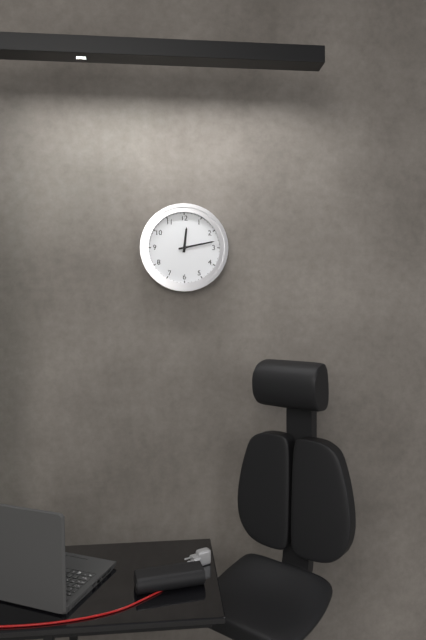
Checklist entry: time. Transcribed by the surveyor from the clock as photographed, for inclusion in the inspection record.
12:13
